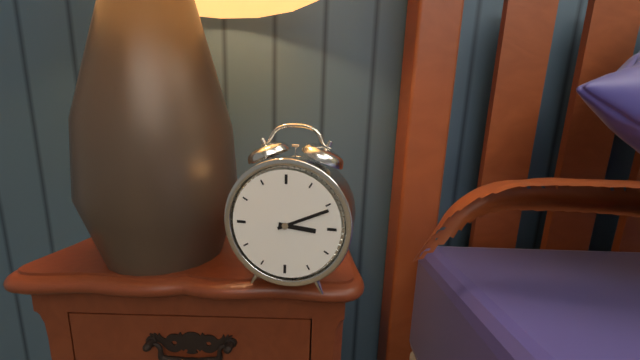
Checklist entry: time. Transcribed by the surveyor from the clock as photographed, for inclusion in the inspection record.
3:11
